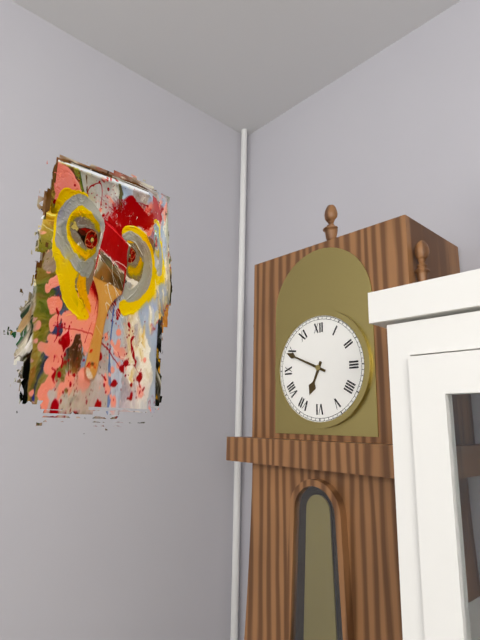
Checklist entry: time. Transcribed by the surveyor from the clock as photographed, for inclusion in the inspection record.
6:49
